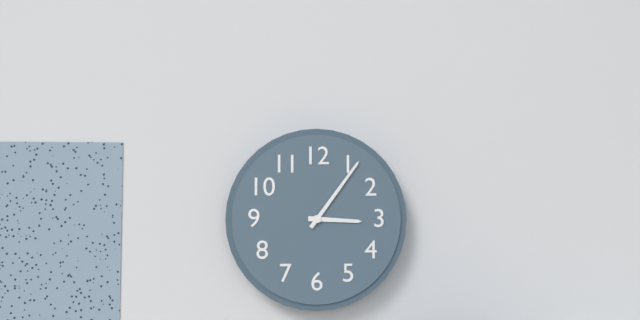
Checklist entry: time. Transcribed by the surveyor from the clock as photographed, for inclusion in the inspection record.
3:06
